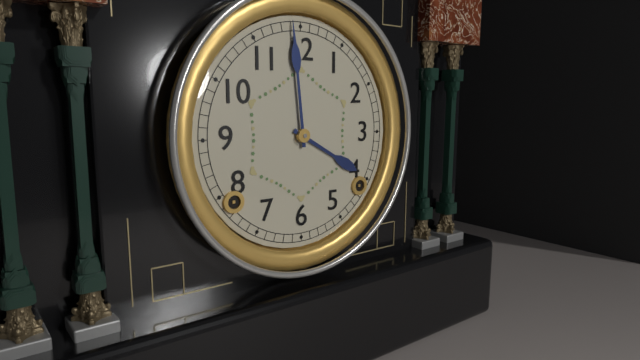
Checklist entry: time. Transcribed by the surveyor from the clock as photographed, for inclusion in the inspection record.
3:59
